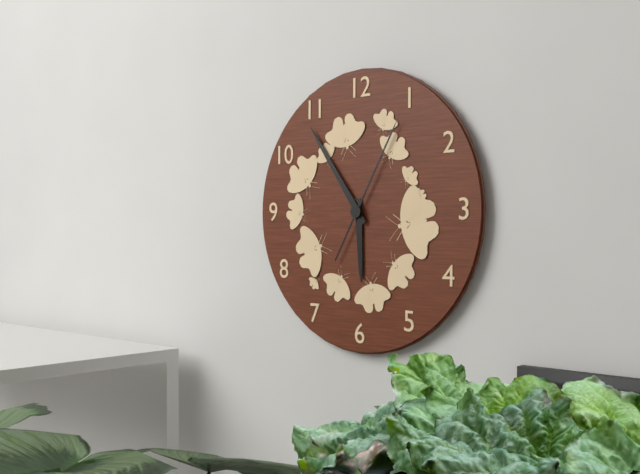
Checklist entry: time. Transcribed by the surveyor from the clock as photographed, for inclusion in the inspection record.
5:54:05
